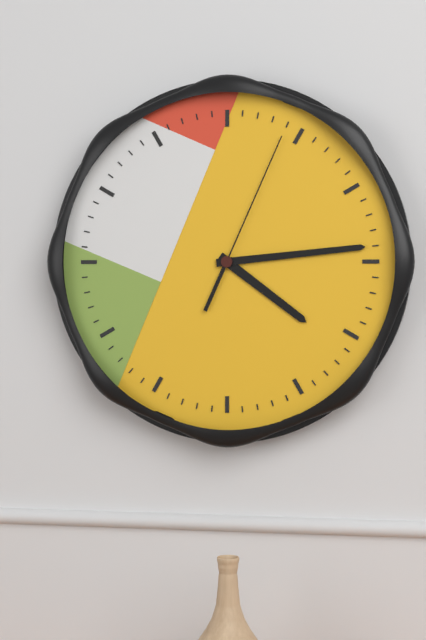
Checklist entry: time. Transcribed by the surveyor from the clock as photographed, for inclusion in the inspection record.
4:14:04
